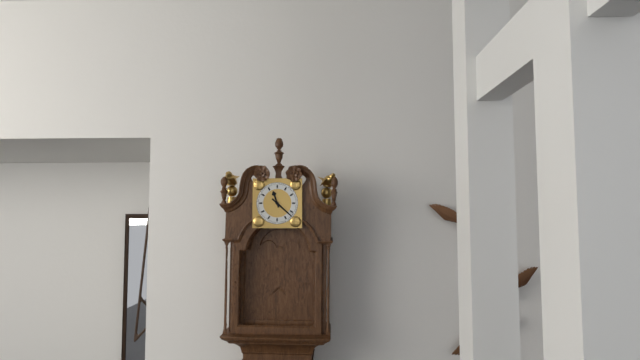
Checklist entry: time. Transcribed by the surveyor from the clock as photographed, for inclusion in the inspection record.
11:22
